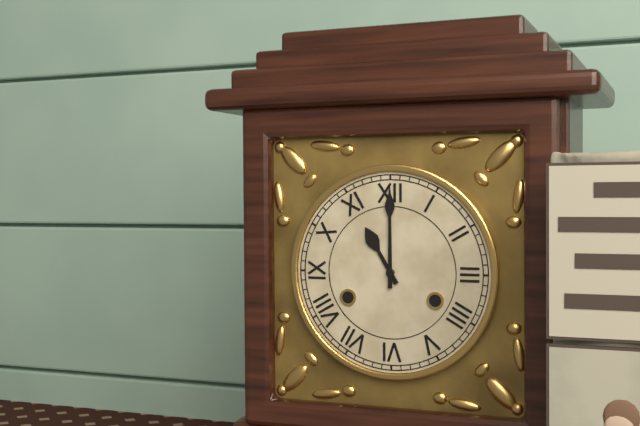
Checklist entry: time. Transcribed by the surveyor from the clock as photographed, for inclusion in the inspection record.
11:00
